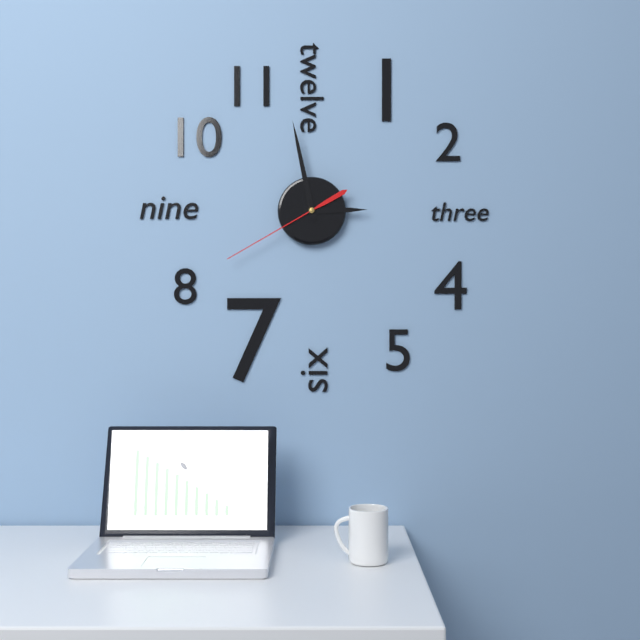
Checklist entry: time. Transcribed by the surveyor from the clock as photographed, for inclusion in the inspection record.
2:58:40
